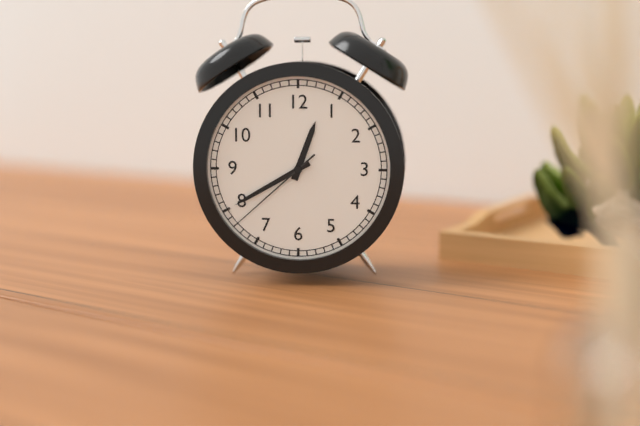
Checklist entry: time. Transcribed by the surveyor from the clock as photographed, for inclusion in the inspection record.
12:40:38
